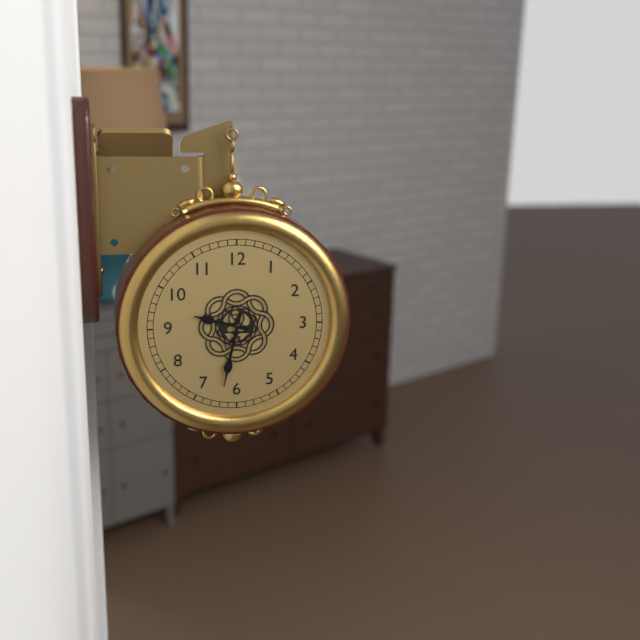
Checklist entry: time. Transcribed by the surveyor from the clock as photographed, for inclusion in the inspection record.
9:32
